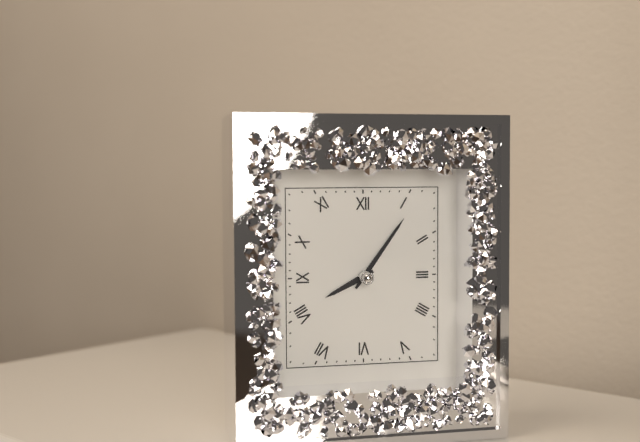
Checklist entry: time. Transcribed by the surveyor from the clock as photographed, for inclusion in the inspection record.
8:06
